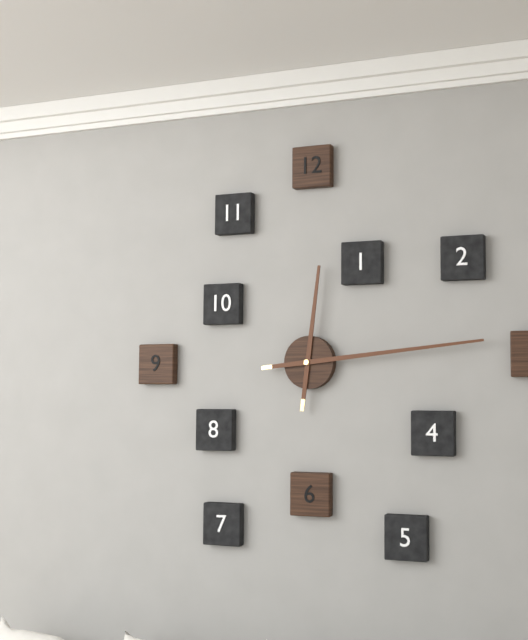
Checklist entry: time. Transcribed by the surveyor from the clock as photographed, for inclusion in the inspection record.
12:14
